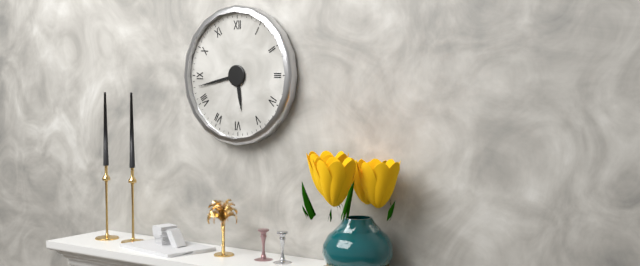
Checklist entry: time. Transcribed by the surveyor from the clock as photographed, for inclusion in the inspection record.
5:43
